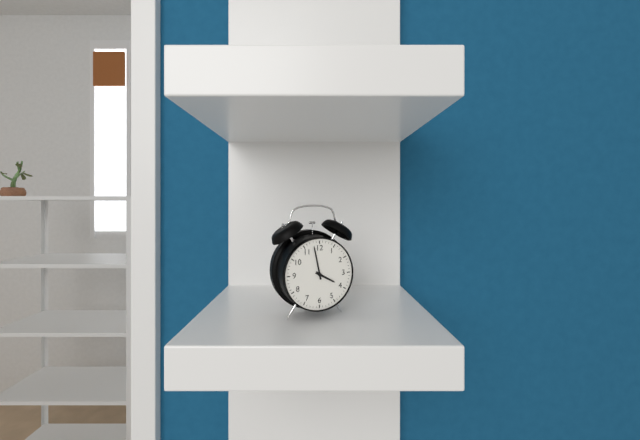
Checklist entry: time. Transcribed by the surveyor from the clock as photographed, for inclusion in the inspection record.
3:58
